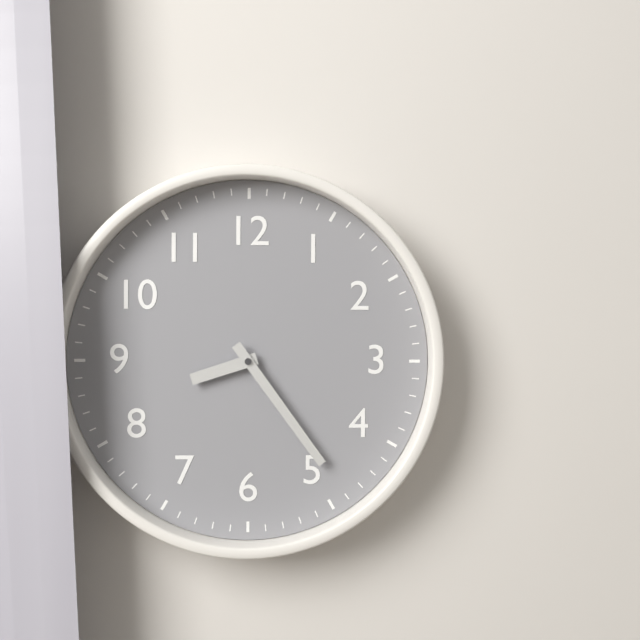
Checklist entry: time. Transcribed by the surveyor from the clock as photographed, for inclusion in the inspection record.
8:24
